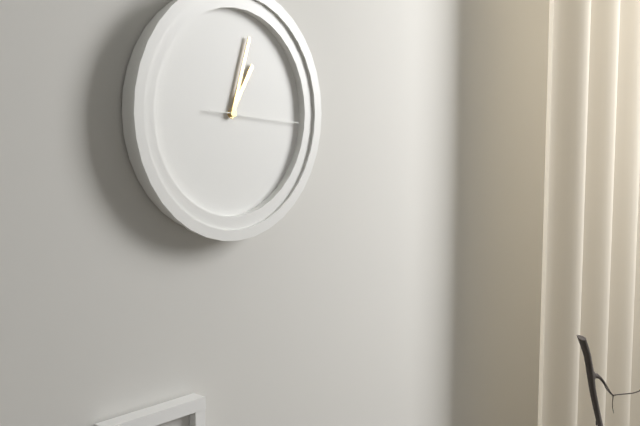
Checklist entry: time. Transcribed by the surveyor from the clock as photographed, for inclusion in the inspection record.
1:03:16
